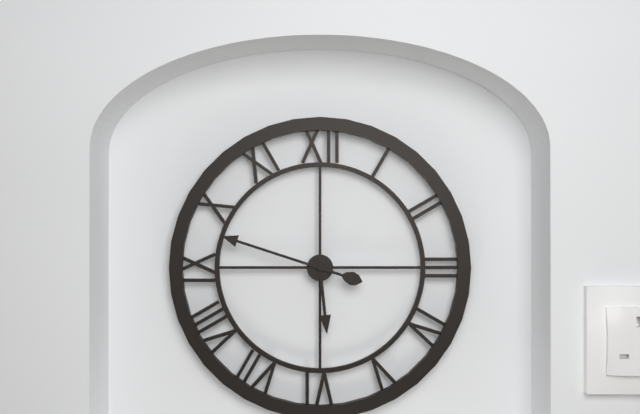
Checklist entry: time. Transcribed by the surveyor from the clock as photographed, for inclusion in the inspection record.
5:48
